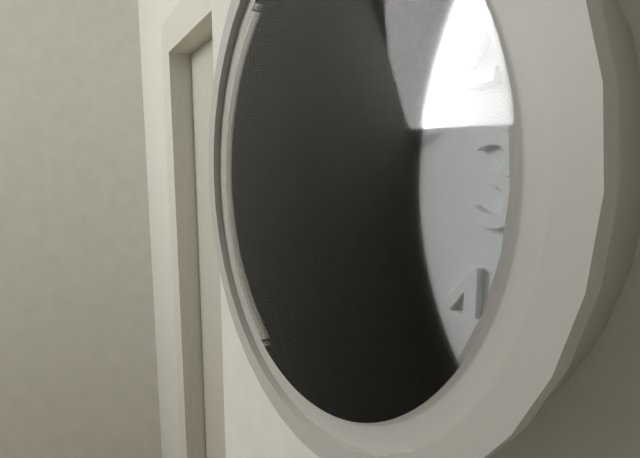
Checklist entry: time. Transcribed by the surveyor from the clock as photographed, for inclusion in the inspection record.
2:23:29
